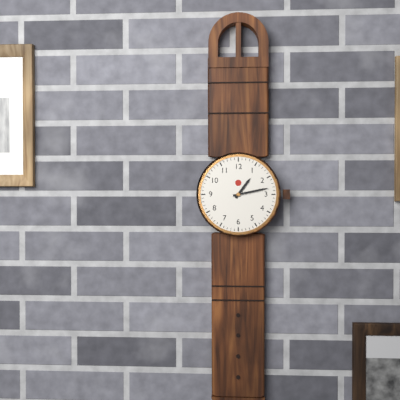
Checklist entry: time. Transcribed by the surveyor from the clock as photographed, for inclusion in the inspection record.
1:13
